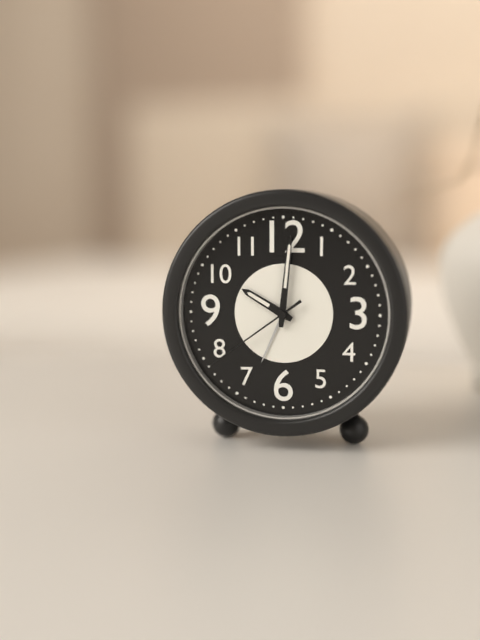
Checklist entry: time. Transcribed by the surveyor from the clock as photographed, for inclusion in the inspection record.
10:01:39
